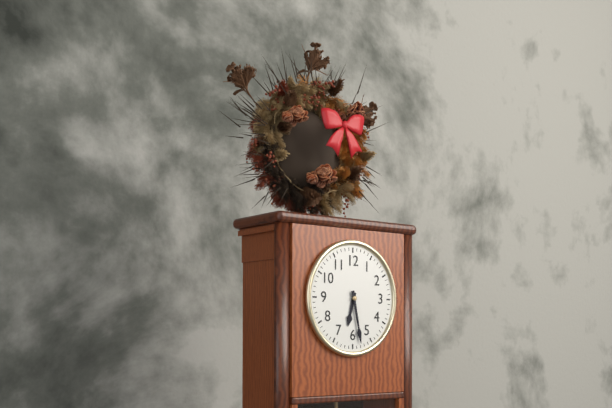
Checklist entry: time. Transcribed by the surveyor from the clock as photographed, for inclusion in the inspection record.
6:28
